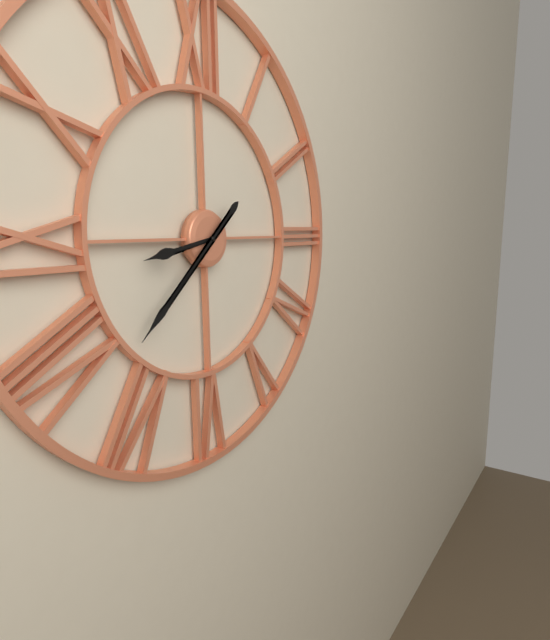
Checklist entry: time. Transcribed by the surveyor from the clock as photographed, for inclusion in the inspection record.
8:38
